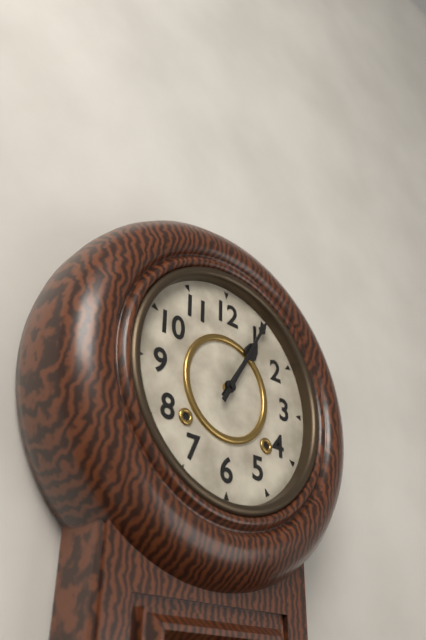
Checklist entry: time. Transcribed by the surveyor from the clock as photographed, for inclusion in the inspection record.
1:05
